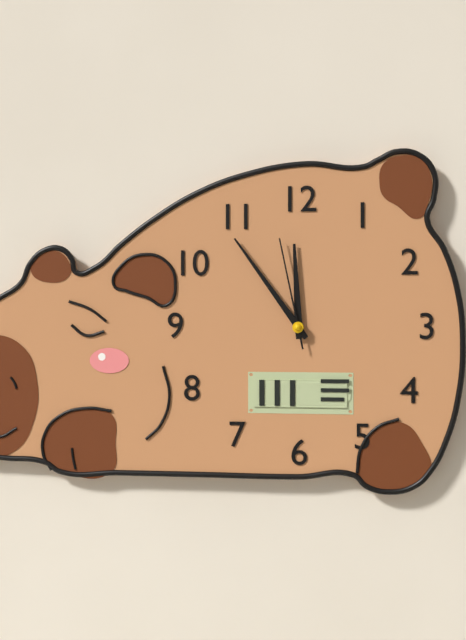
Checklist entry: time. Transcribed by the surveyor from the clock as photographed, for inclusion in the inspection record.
11:54:58
